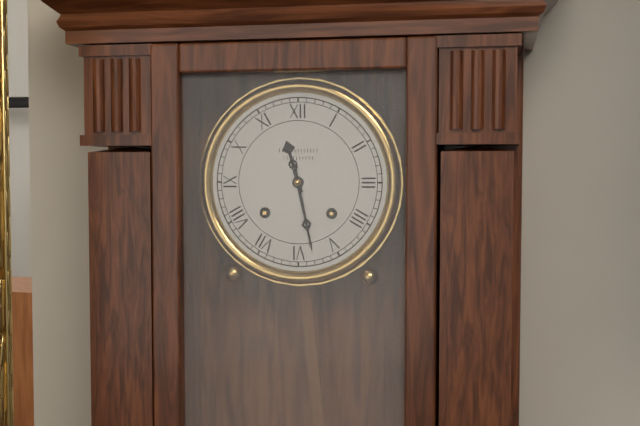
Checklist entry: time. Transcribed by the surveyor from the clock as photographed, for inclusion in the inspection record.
11:28
